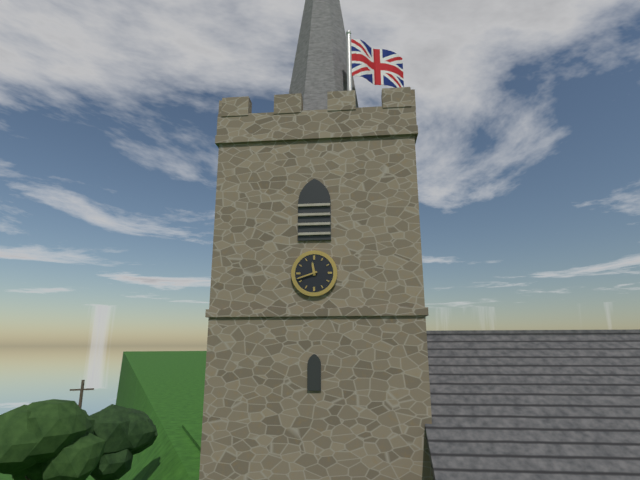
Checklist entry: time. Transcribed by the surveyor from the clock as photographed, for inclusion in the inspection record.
11:42
